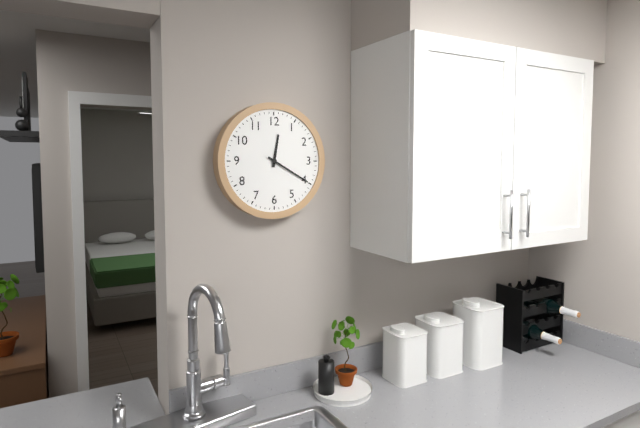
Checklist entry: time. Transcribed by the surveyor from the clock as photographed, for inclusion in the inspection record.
12:20
